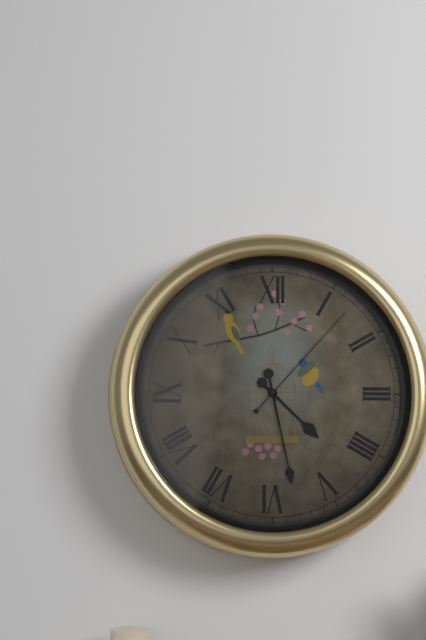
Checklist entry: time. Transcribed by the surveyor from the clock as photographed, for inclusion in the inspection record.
4:28:07
